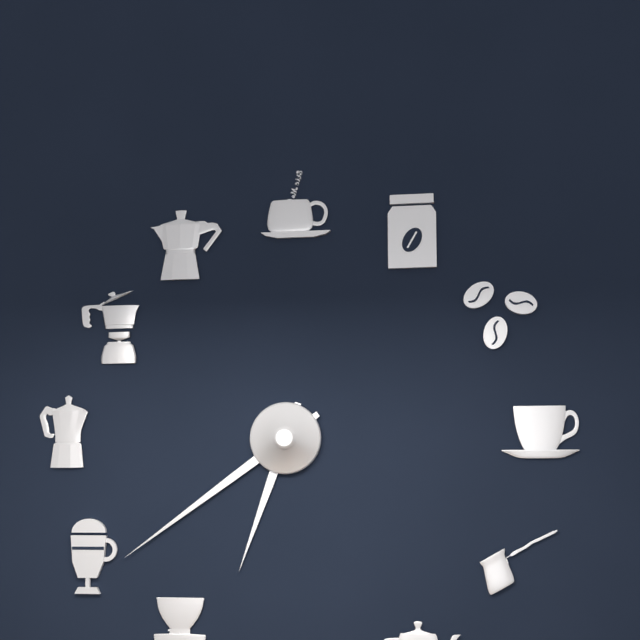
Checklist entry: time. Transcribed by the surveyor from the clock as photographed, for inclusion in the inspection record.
6:39
